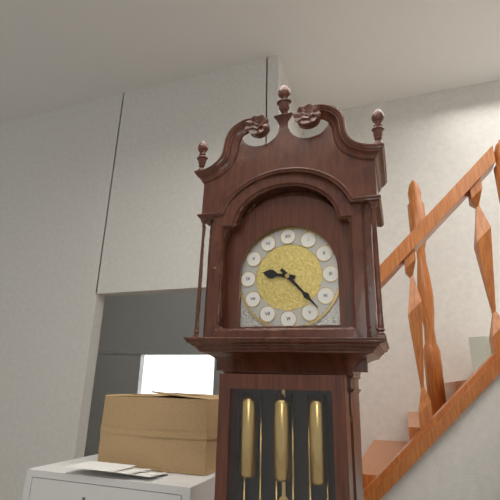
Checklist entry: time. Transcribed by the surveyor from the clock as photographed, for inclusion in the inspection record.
9:23
